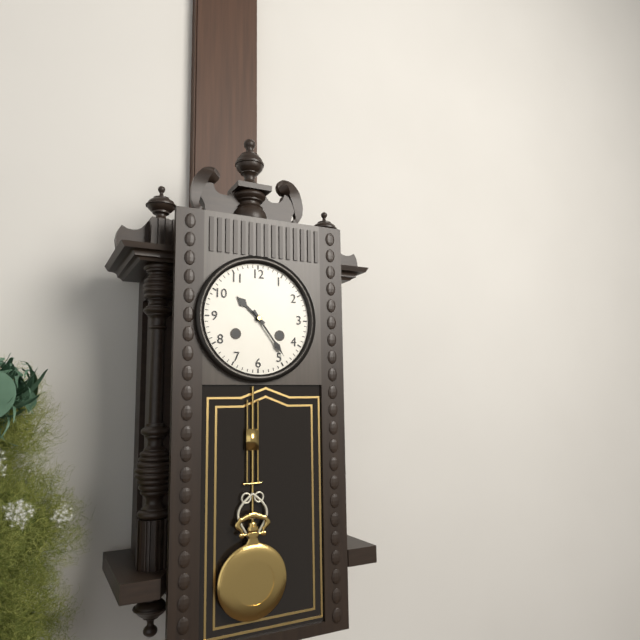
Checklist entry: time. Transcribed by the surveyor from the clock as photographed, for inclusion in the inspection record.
10:24
